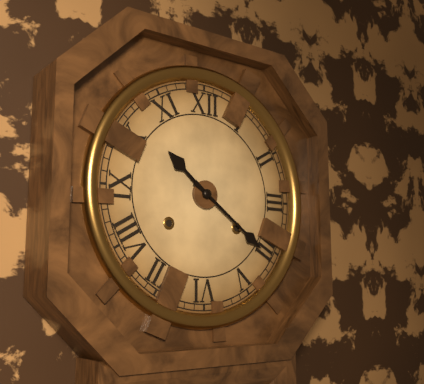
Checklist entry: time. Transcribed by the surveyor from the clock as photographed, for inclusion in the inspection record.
10:21
